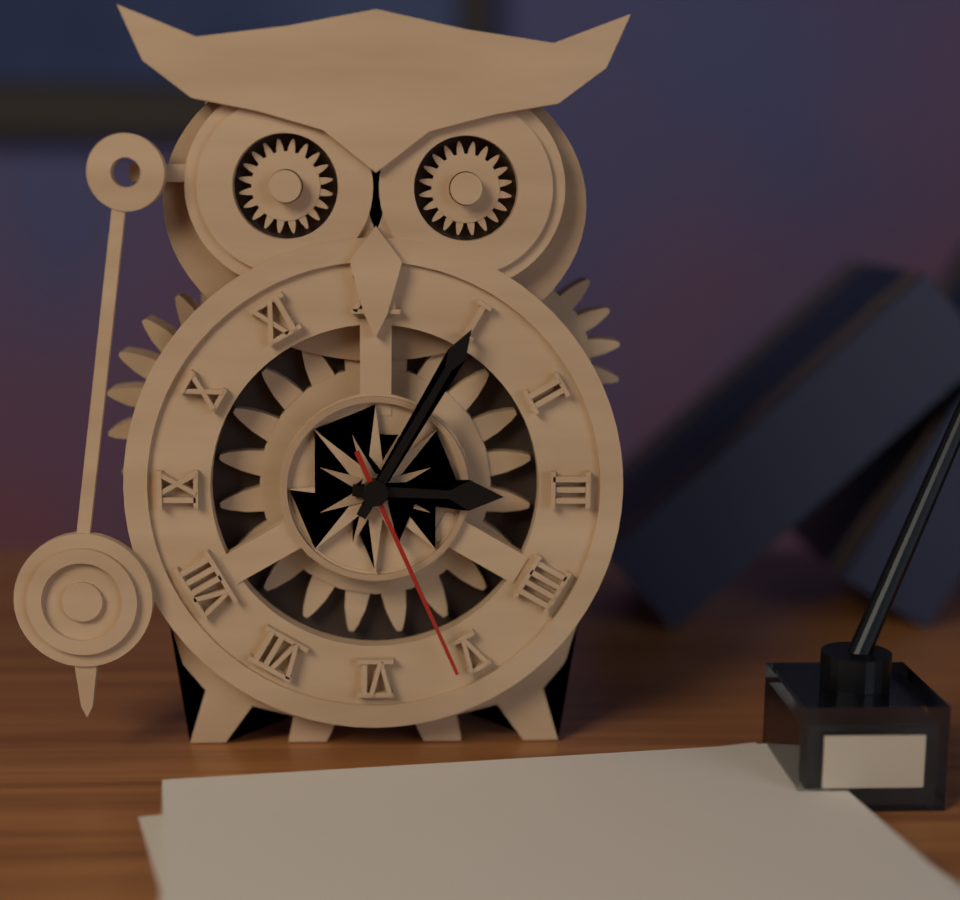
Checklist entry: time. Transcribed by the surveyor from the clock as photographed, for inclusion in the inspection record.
3:05:26
